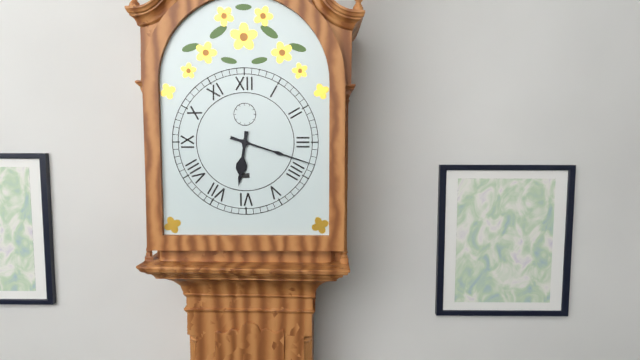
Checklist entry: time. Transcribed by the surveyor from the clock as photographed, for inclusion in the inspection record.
6:18
